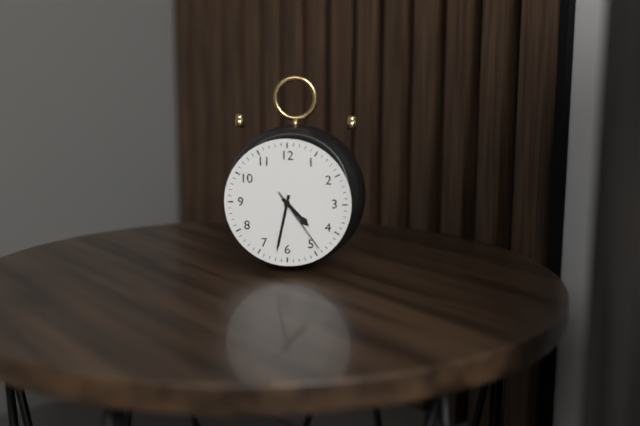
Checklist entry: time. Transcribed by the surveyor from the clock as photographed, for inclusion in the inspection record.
4:32:24
